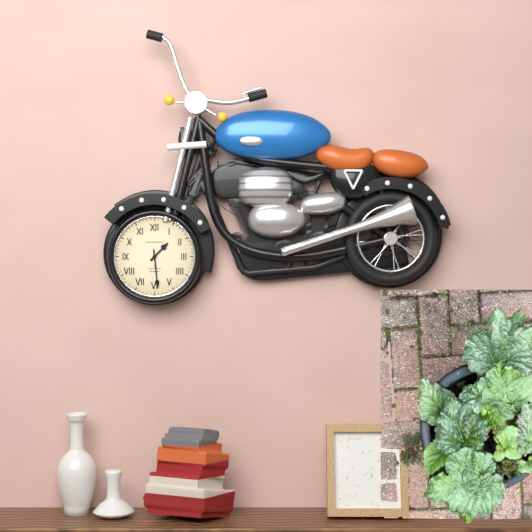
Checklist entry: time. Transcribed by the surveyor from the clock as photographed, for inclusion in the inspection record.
1:29
